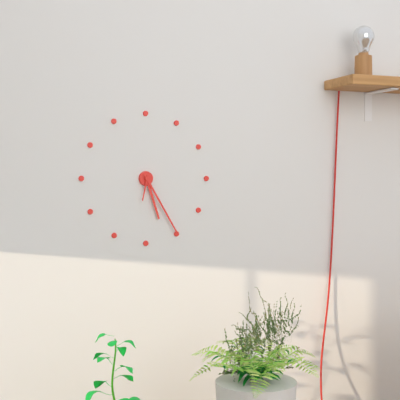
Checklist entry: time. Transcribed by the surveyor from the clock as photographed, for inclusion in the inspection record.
5:25
